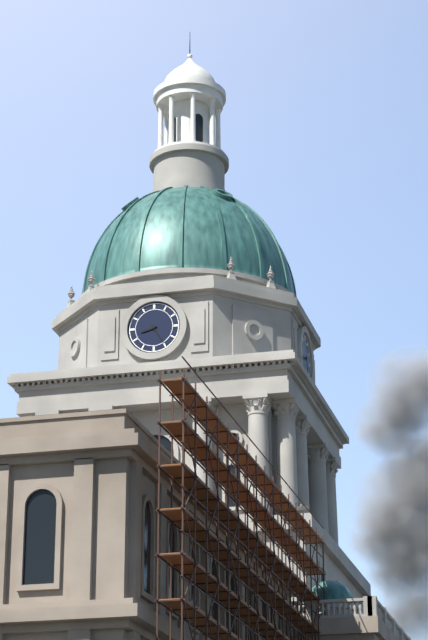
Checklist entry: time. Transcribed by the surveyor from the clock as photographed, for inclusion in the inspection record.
8:25
